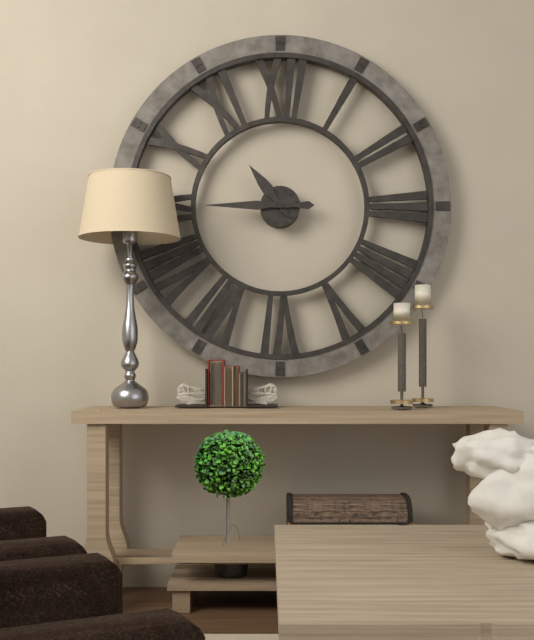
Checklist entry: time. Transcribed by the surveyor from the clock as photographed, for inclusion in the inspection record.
10:45
